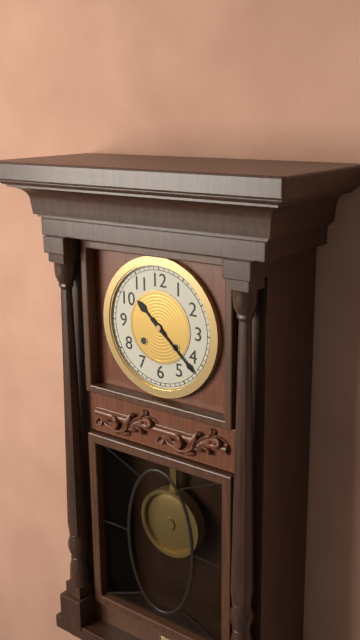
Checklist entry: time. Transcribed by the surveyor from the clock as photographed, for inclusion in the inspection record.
10:22
